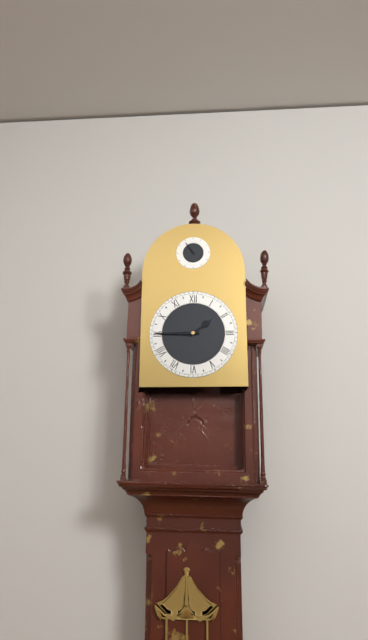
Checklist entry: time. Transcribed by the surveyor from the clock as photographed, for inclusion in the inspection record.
1:45
